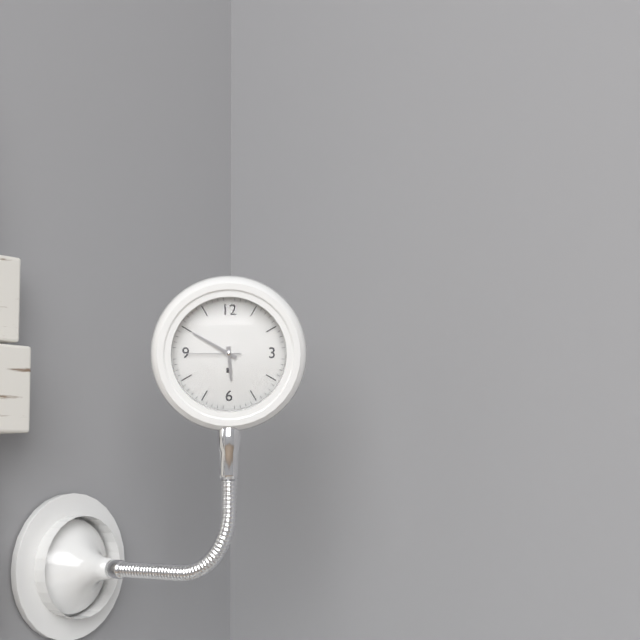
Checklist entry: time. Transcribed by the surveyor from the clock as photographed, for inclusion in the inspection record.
5:50:45
